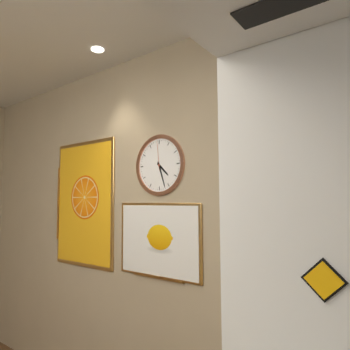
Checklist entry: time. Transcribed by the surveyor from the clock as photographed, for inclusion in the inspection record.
4:27
